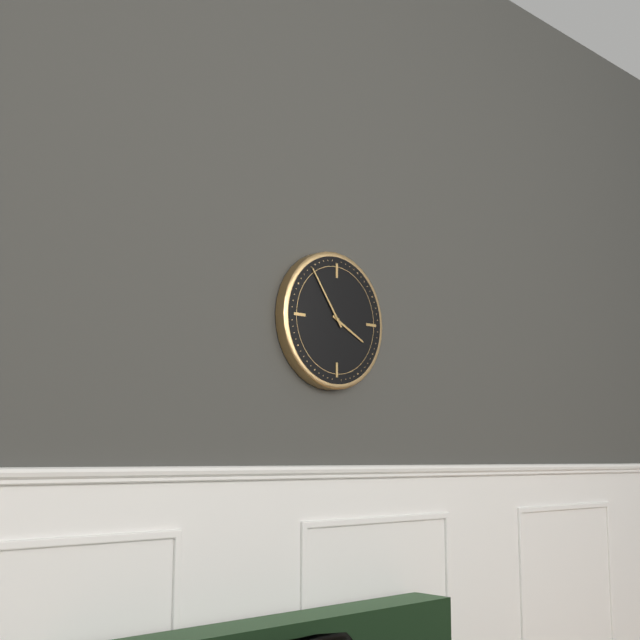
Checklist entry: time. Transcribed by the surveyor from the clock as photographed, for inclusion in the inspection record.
3:54
